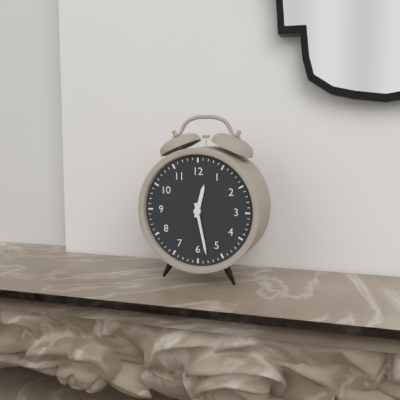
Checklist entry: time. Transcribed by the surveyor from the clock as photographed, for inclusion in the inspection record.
12:28
